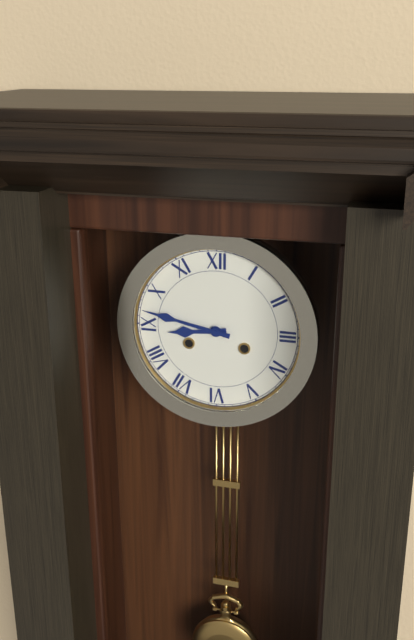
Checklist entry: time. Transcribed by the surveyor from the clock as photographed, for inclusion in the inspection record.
8:47
